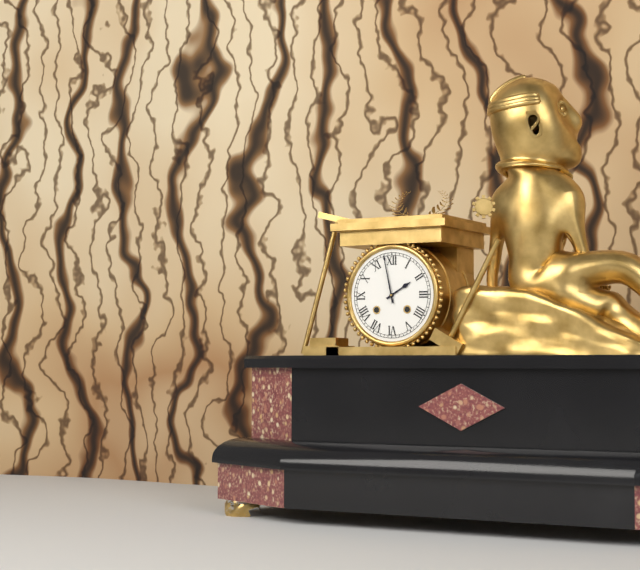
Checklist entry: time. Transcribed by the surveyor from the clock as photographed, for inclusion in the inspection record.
1:58
